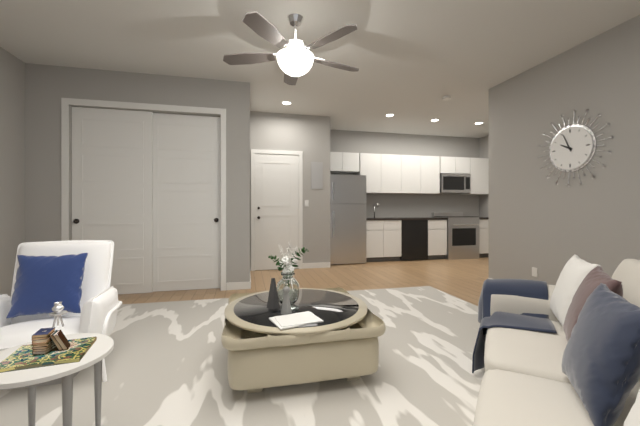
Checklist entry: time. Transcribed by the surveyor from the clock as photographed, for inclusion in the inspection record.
9:56
